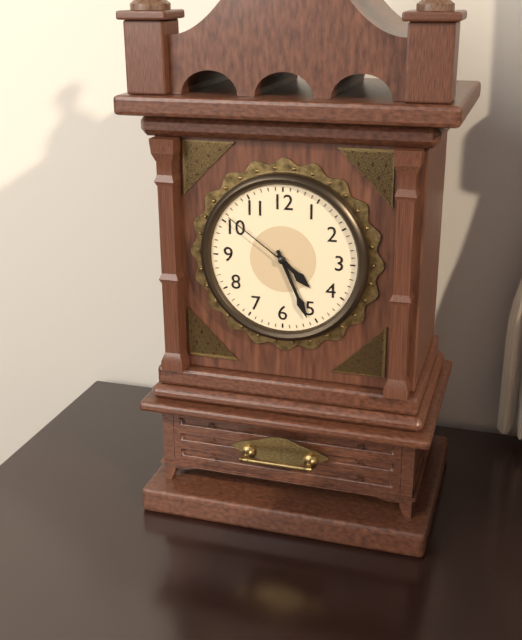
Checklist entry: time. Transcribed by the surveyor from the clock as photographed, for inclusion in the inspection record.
4:26:51
